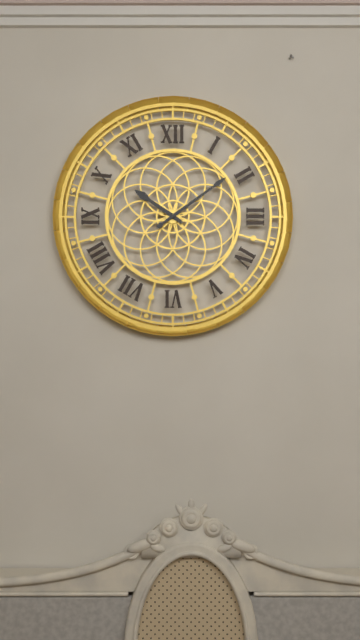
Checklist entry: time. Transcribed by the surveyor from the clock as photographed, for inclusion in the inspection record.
10:09
